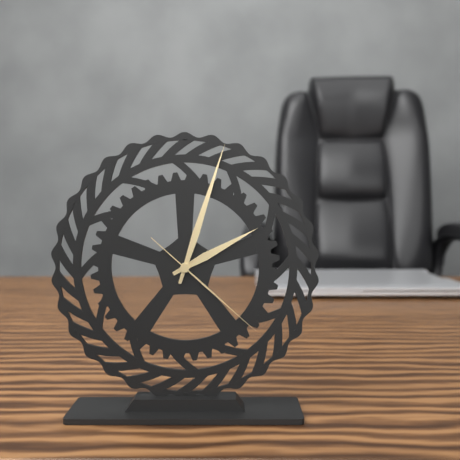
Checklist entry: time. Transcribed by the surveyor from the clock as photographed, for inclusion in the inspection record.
2:03:22
